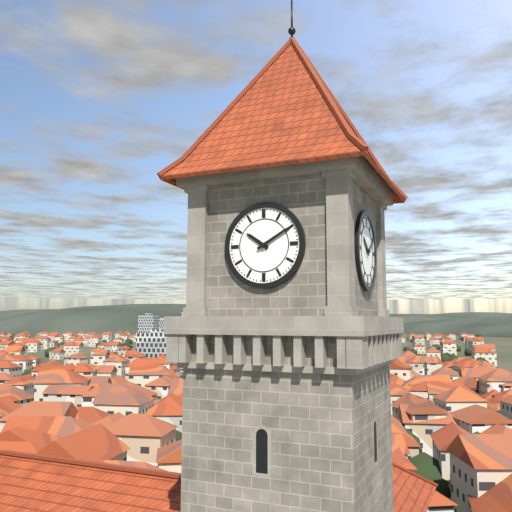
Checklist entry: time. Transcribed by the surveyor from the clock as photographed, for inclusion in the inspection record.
10:10
